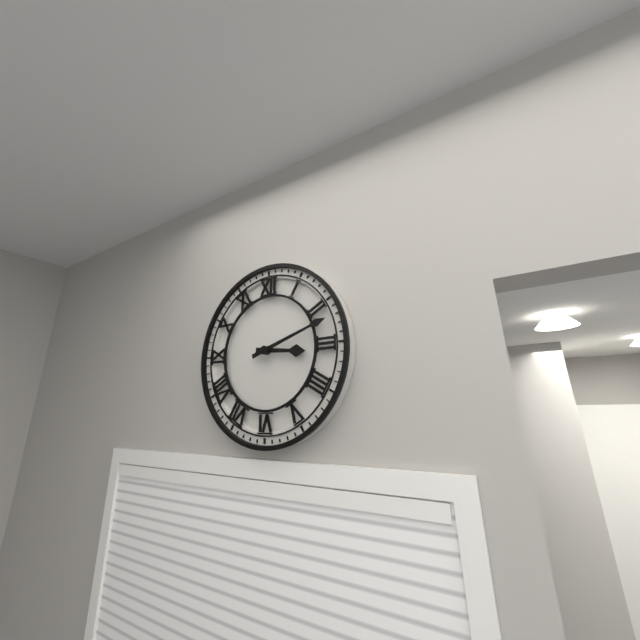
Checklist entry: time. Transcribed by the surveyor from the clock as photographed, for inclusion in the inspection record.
3:12
